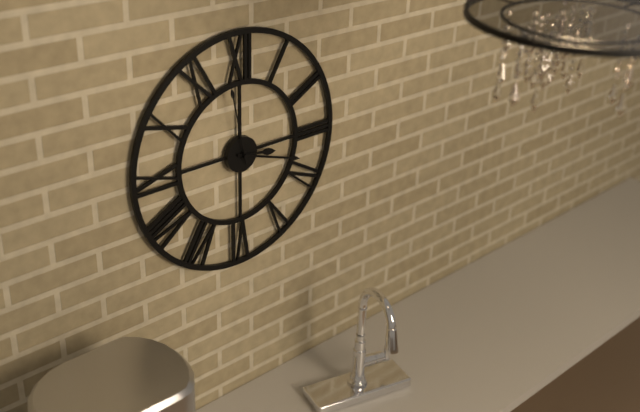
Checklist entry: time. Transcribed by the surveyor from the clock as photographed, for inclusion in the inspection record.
3:18:58
